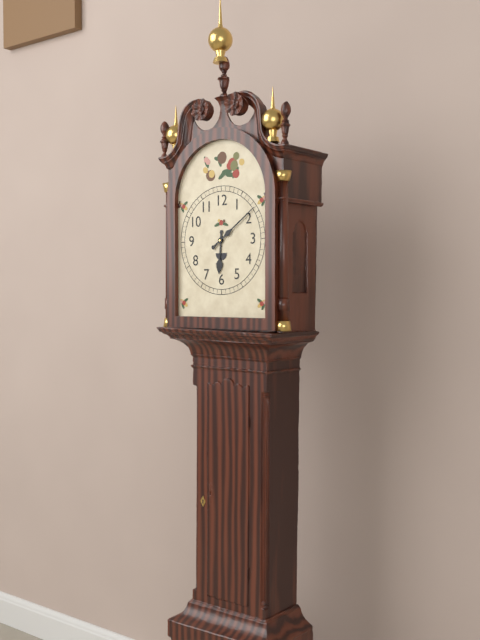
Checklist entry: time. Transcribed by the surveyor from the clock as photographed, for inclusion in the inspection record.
6:09
